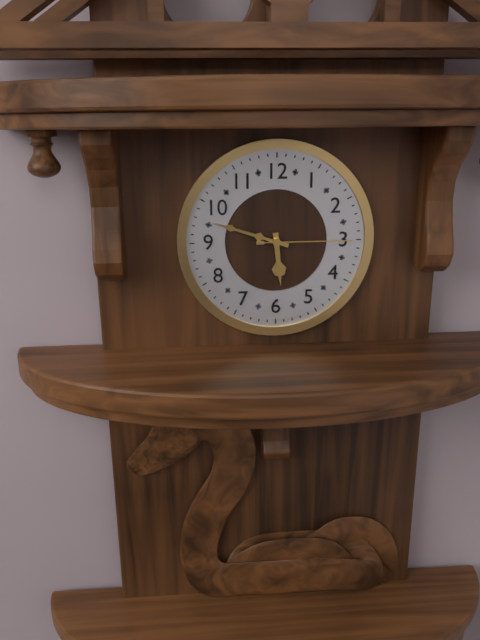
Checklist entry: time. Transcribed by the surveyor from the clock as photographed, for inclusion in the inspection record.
5:48:15
